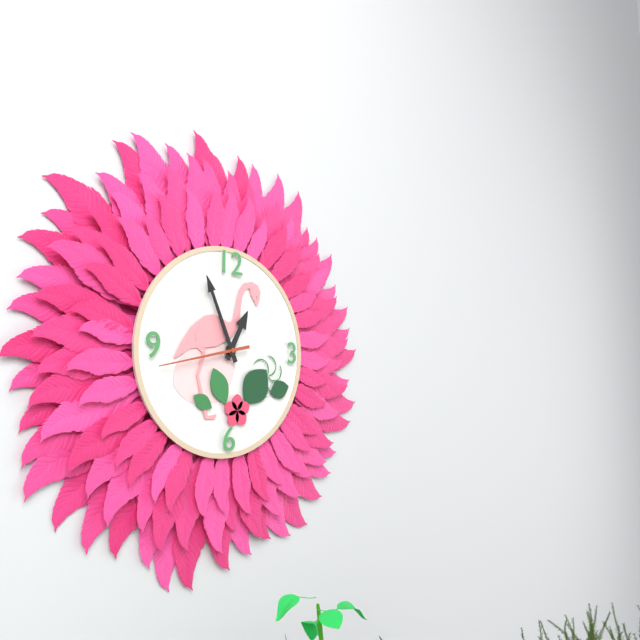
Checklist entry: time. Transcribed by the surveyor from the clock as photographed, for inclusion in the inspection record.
12:56:43
